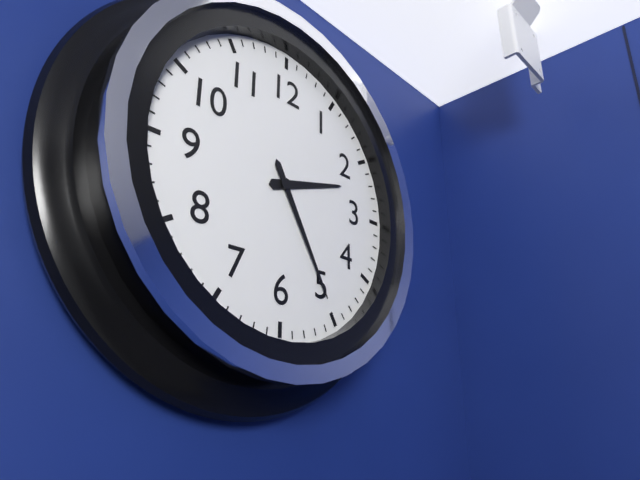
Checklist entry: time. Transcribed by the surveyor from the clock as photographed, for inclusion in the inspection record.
2:25
